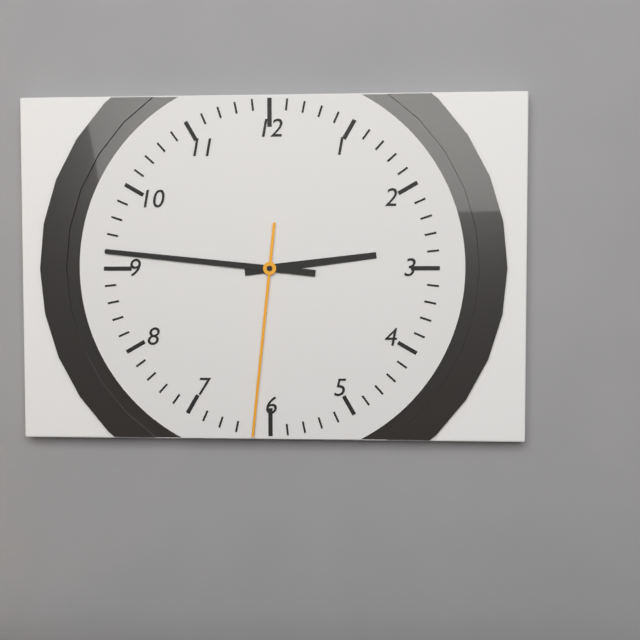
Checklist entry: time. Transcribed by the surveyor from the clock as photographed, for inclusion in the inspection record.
2:46:31
